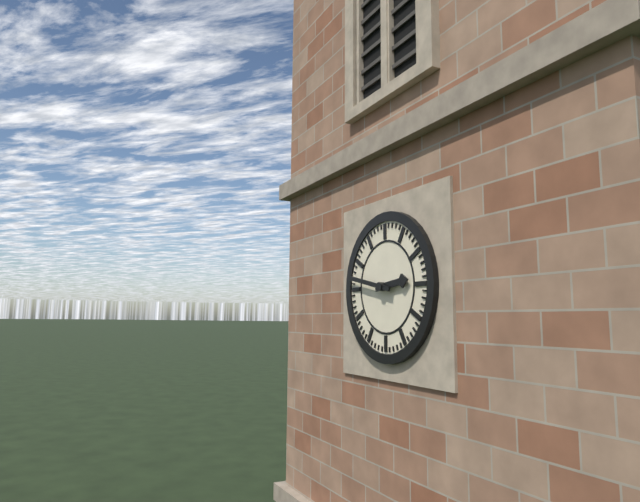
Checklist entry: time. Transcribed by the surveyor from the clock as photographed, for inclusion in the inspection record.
2:47
